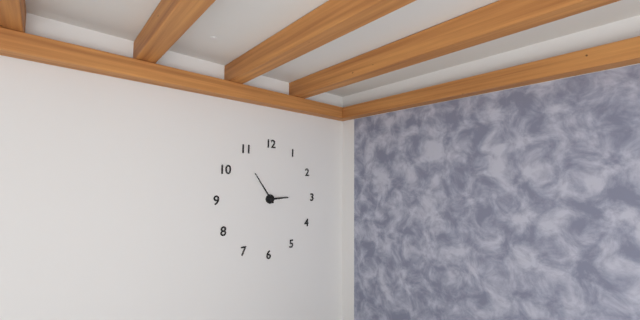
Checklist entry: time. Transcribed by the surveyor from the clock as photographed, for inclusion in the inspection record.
2:54
